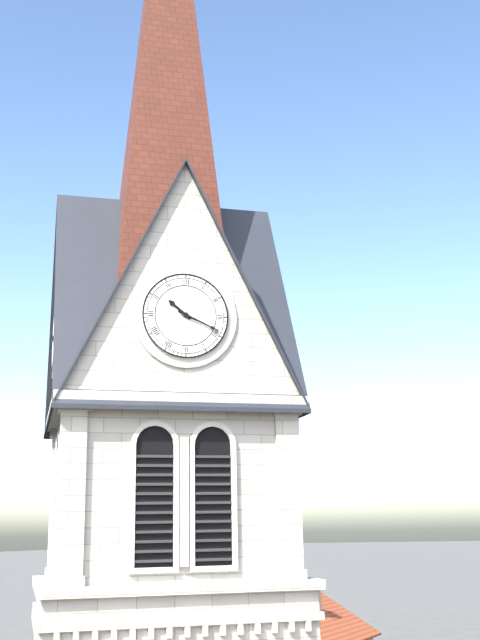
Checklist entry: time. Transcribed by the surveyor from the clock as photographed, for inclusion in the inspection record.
10:19
